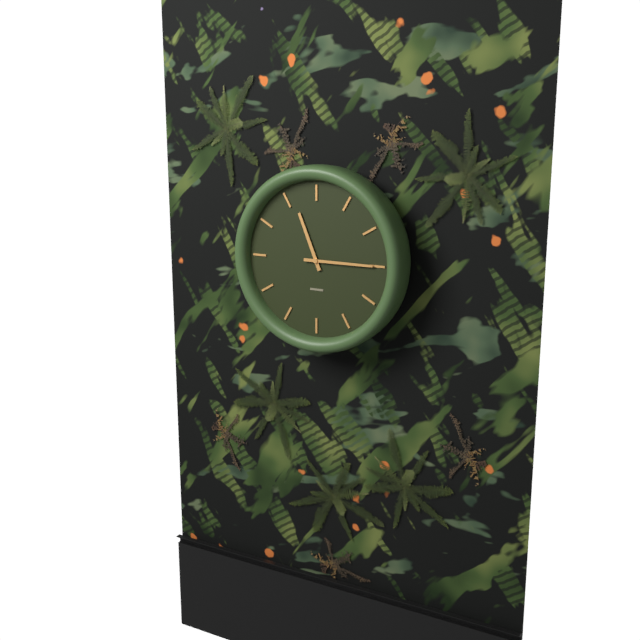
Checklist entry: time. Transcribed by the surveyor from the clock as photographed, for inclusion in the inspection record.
11:15
